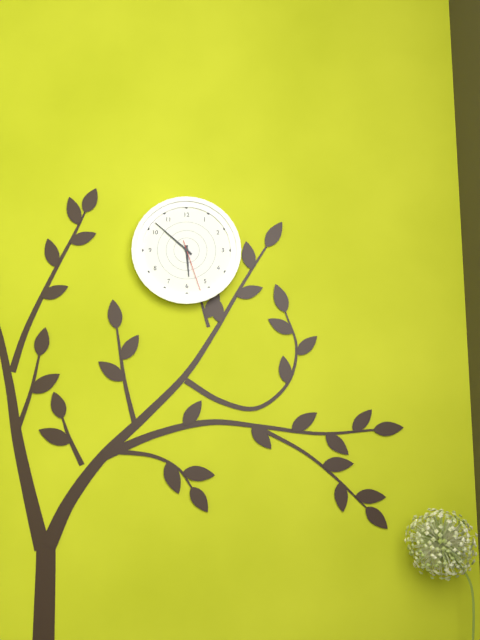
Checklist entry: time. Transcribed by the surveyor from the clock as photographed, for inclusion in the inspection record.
5:52:27
